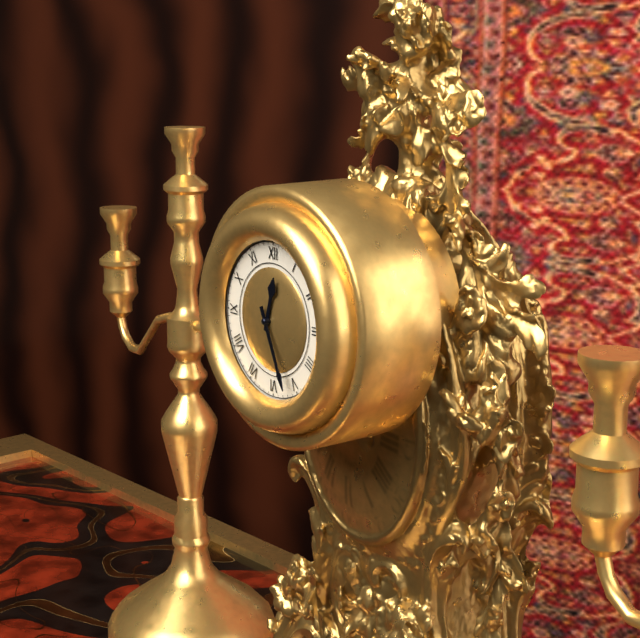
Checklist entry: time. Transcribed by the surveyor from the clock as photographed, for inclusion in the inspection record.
12:26
